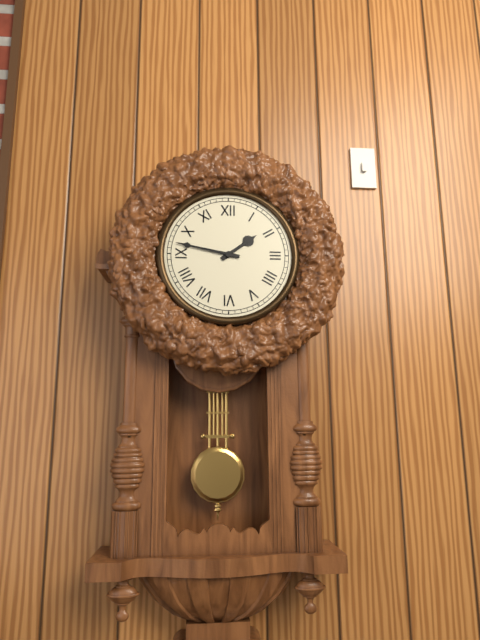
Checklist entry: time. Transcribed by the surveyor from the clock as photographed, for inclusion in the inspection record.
1:47
